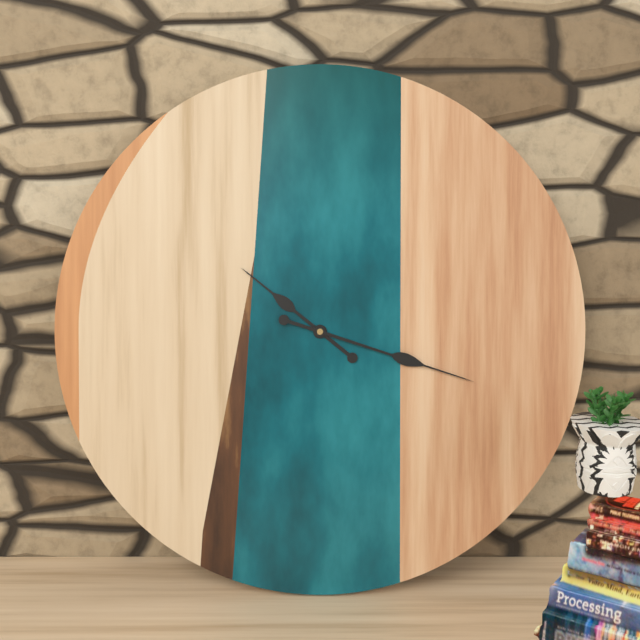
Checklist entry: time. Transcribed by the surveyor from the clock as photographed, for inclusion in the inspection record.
10:18
